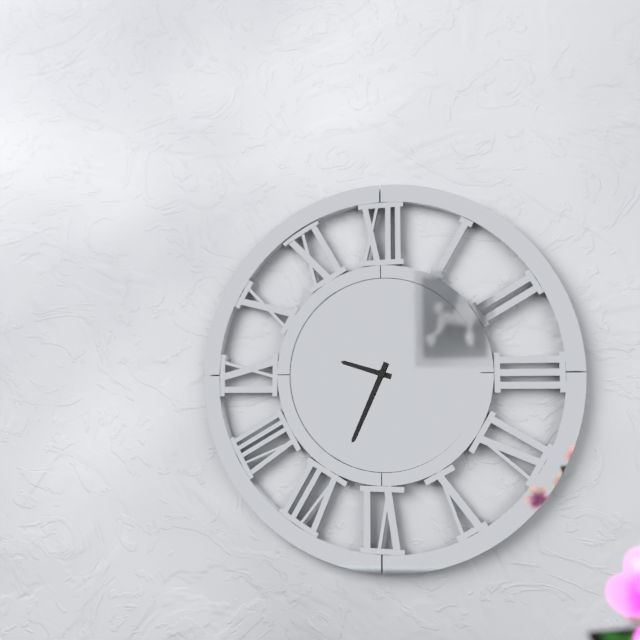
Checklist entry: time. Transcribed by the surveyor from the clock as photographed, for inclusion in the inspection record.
9:34
